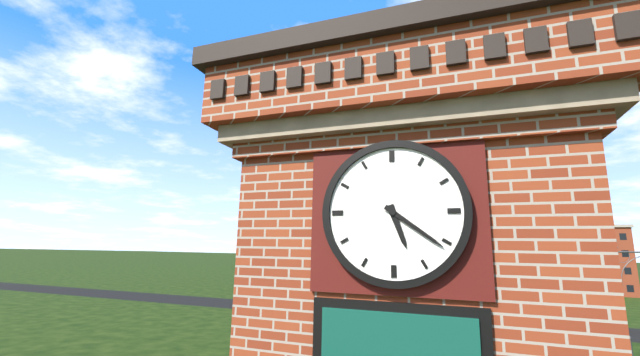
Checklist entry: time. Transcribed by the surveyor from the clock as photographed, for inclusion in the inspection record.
5:21
